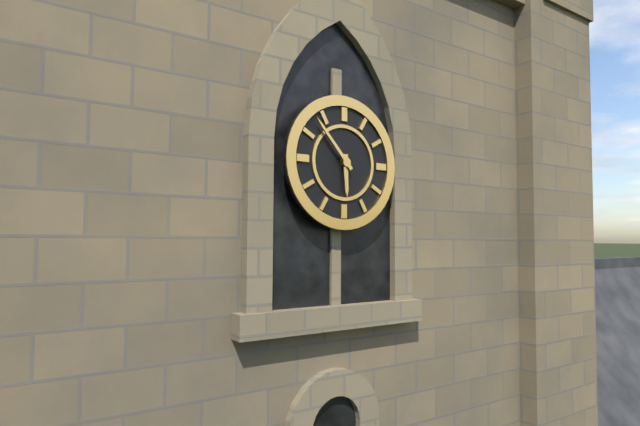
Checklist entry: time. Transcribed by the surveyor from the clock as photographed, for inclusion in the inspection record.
5:53
